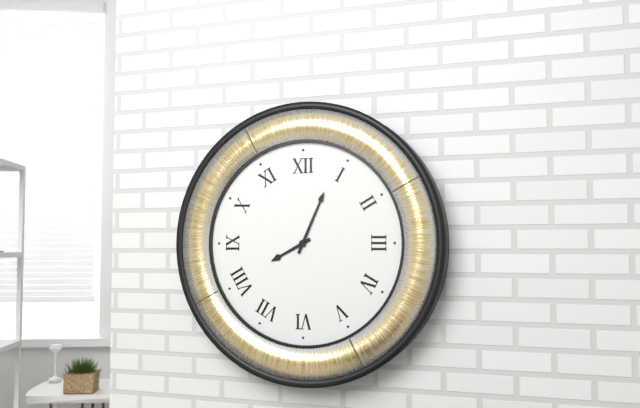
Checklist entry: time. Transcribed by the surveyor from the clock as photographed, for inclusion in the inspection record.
8:04
